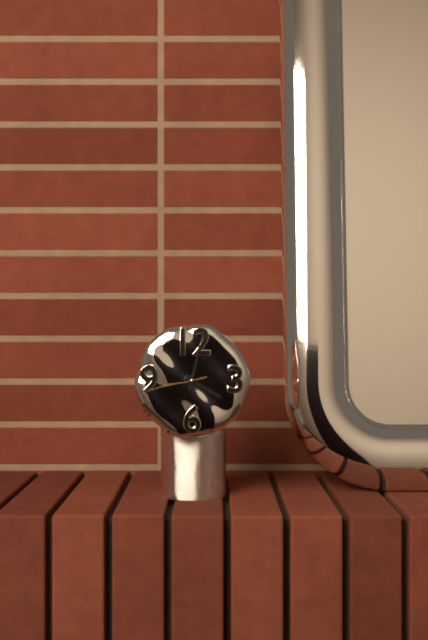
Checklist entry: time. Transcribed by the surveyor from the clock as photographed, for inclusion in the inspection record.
4:02:43
